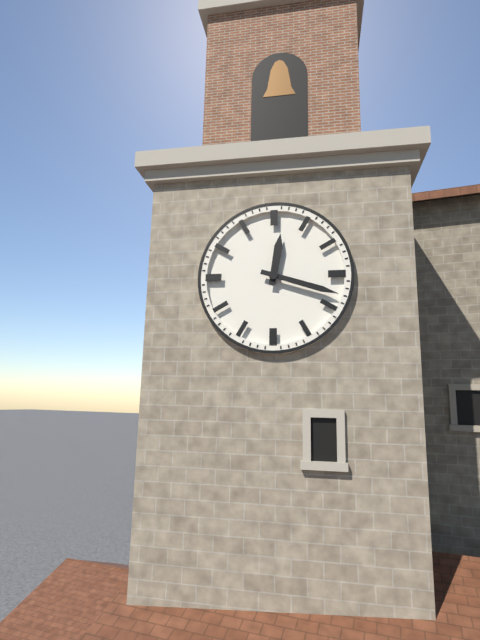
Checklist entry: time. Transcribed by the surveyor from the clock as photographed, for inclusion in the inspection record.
12:18
